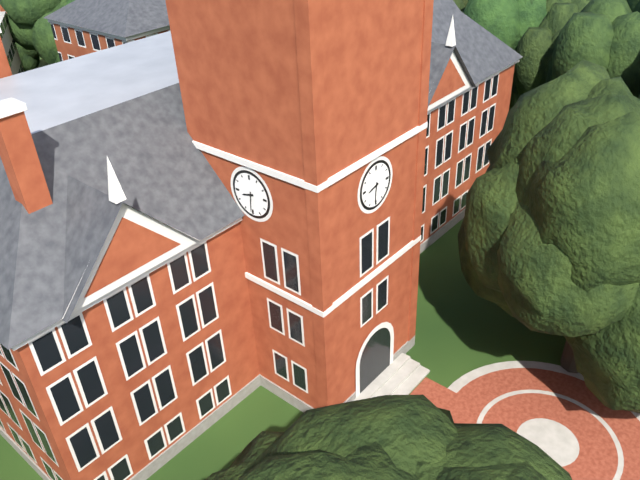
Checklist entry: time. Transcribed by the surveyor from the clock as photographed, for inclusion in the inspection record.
8:31
